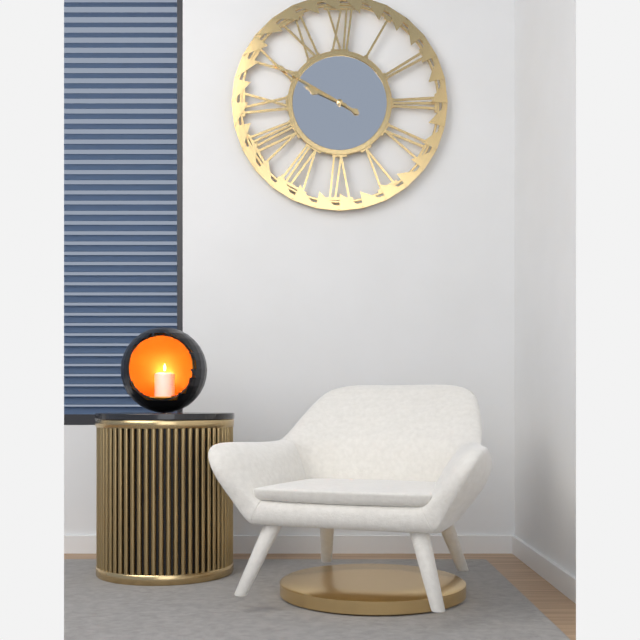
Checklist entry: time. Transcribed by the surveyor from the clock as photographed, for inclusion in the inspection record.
9:50
